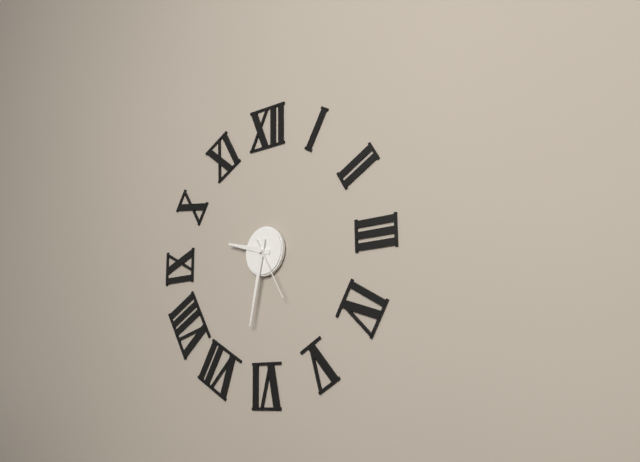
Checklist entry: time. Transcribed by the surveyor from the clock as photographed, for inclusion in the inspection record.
9:32:25
